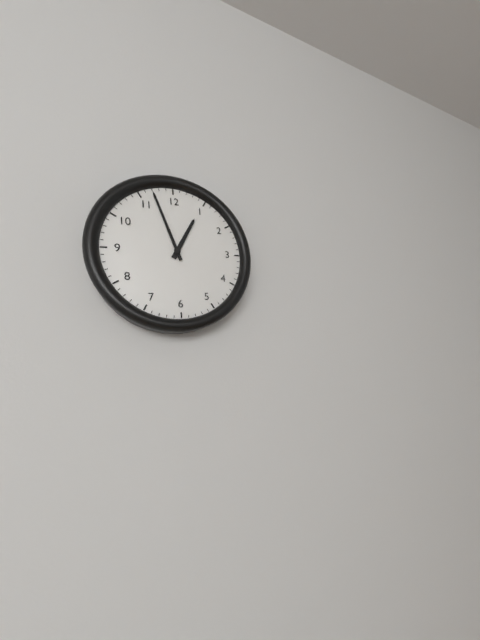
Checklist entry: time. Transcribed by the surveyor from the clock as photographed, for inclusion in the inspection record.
12:57
